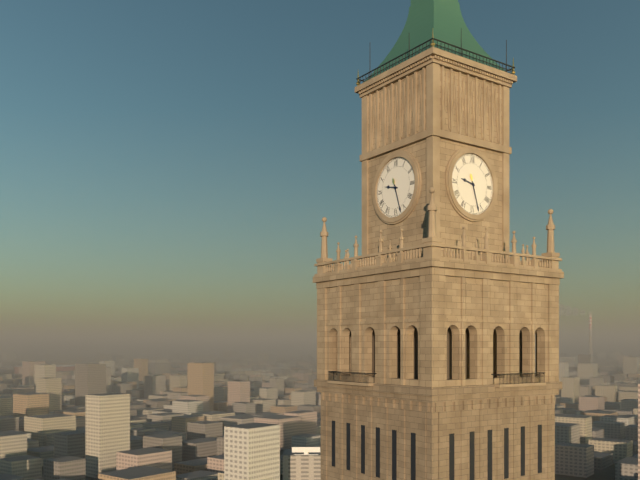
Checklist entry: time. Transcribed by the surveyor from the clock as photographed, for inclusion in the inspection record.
9:27
